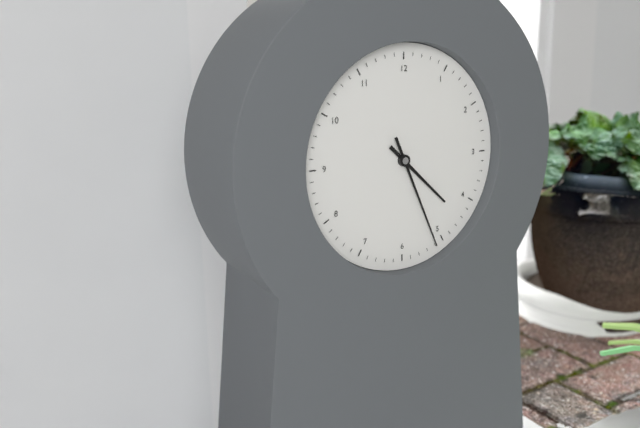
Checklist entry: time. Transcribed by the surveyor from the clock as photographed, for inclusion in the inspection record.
4:26
